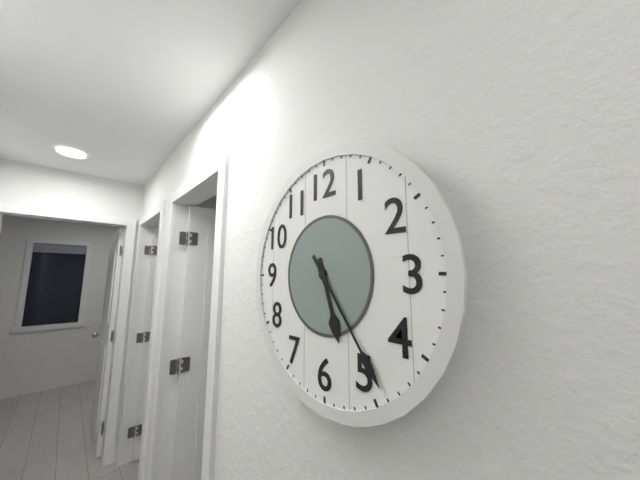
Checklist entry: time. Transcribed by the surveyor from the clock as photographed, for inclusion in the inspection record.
5:24
